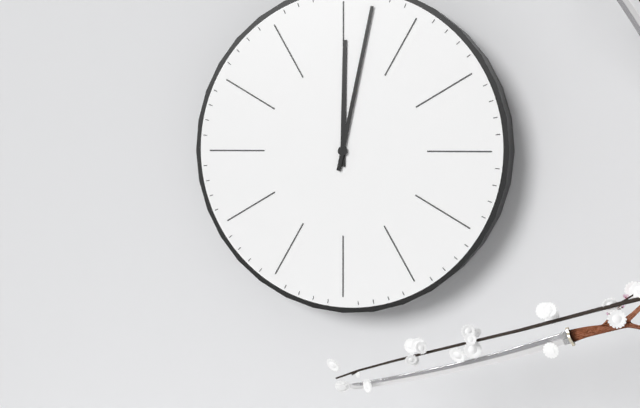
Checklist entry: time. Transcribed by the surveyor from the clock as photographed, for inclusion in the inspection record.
12:02
